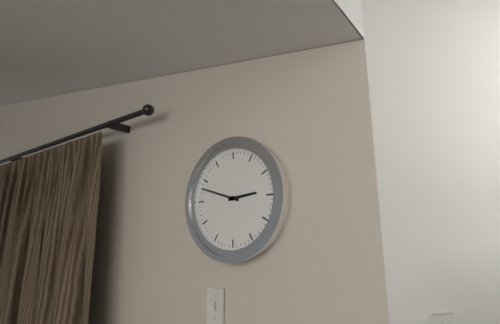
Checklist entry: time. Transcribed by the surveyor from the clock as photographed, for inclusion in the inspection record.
2:48
